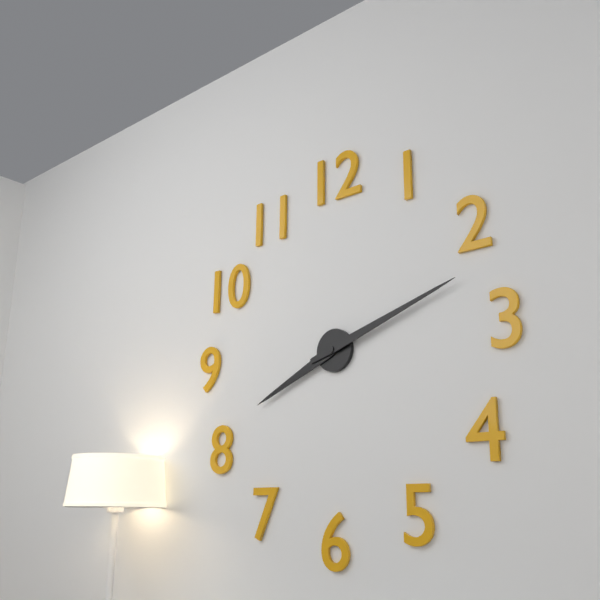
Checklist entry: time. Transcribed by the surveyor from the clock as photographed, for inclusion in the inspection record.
8:12
